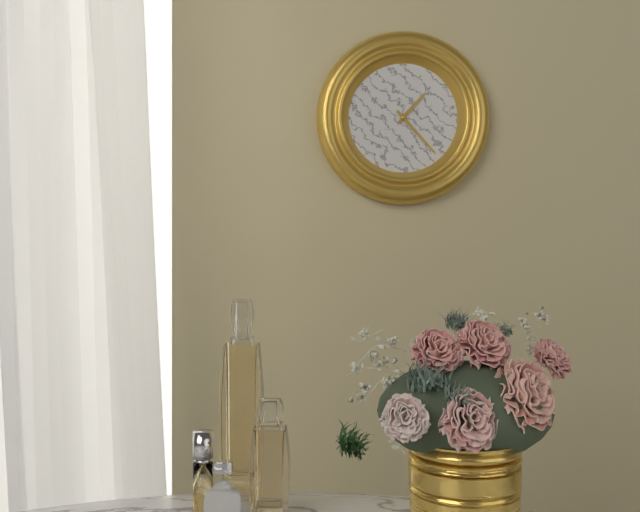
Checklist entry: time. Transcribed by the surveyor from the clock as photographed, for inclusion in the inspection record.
1:23
